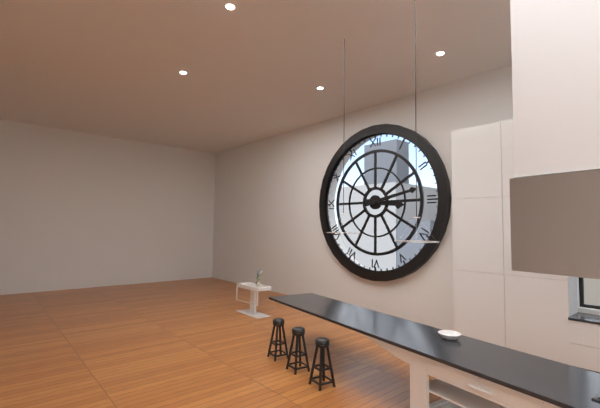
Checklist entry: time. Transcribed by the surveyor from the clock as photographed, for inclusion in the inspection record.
3:13
